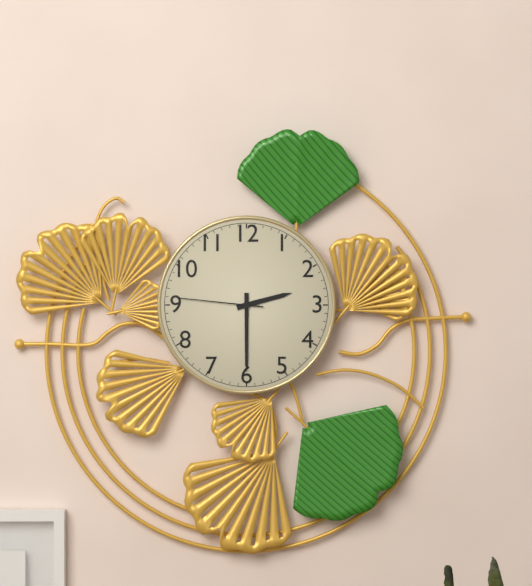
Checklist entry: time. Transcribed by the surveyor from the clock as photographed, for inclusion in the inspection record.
2:30:46
